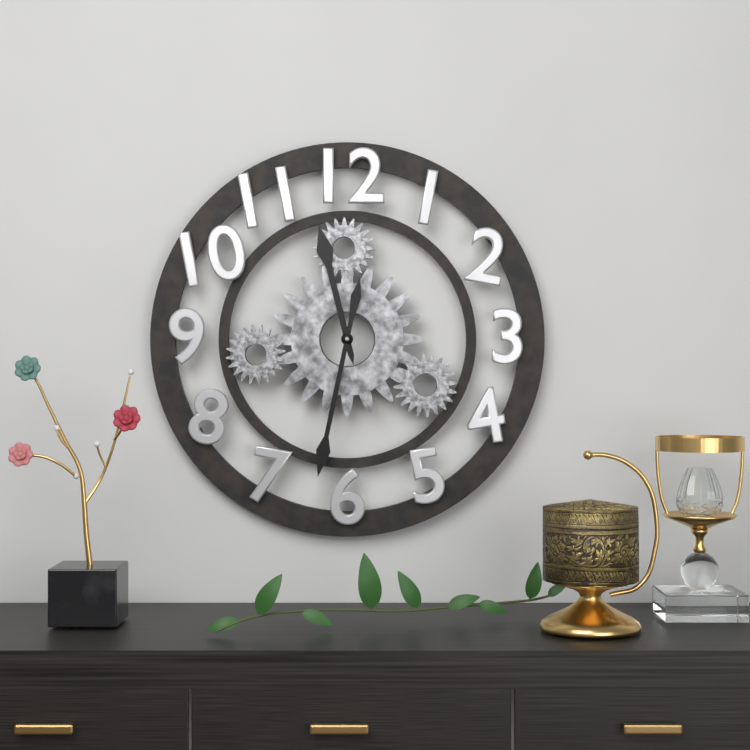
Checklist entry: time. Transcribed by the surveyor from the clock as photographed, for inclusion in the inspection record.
11:32
